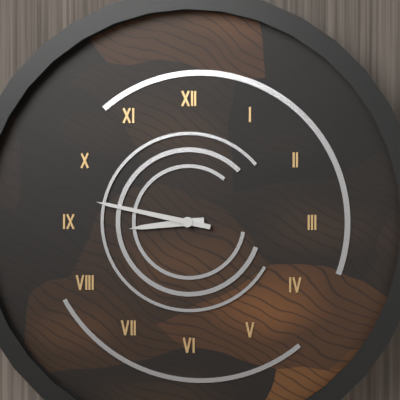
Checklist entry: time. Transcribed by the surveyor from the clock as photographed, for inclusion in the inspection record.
8:47
